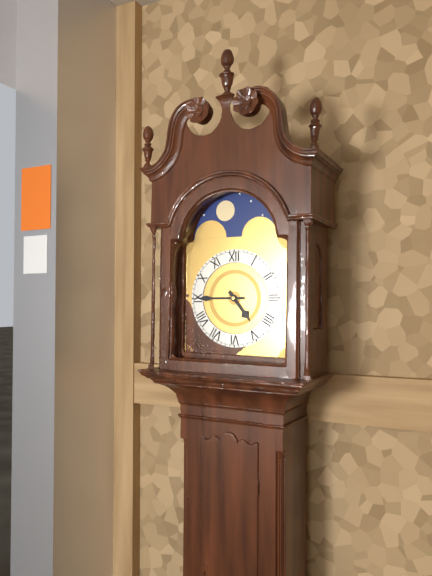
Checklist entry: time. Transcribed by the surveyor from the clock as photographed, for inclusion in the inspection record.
4:45
